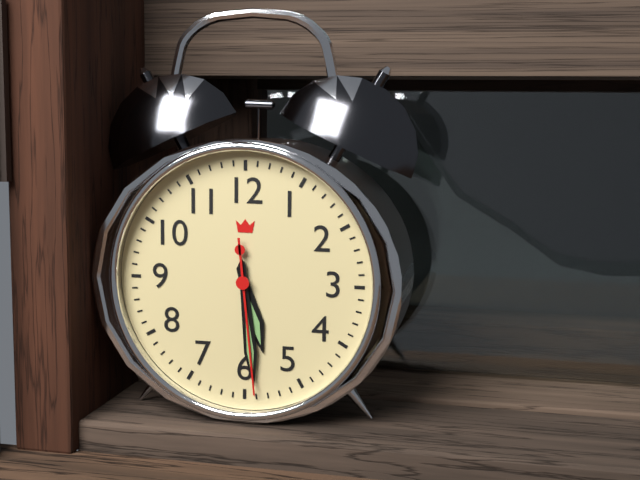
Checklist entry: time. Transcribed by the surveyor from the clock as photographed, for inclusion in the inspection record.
5:29:29
